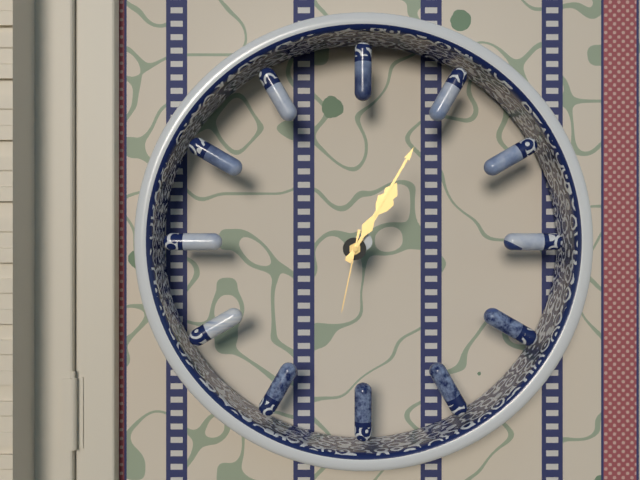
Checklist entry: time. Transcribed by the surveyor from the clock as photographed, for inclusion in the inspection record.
1:05:32
